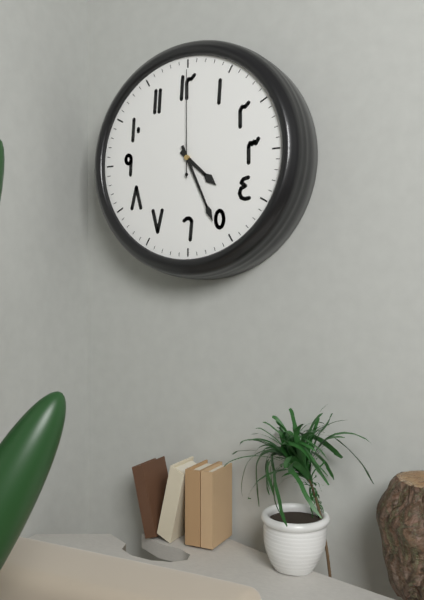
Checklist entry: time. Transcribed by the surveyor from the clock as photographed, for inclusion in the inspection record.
4:26:00
